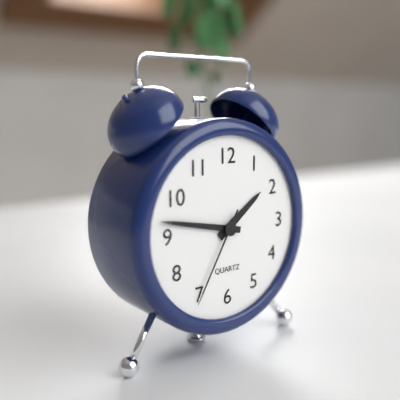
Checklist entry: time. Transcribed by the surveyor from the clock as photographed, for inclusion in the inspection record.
1:47:35
